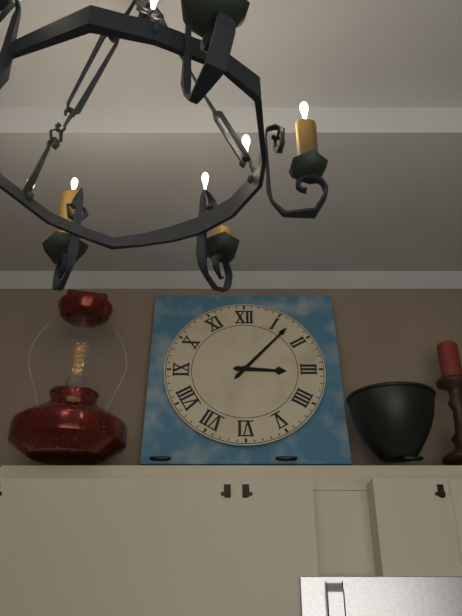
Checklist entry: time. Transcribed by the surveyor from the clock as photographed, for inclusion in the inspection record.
3:07
